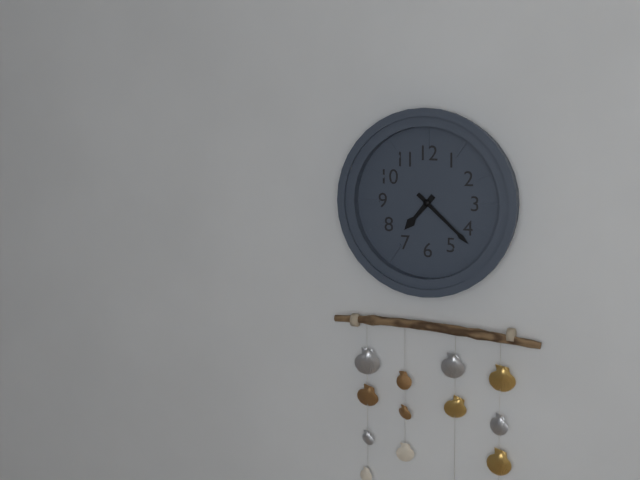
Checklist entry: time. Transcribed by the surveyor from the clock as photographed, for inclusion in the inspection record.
7:22
